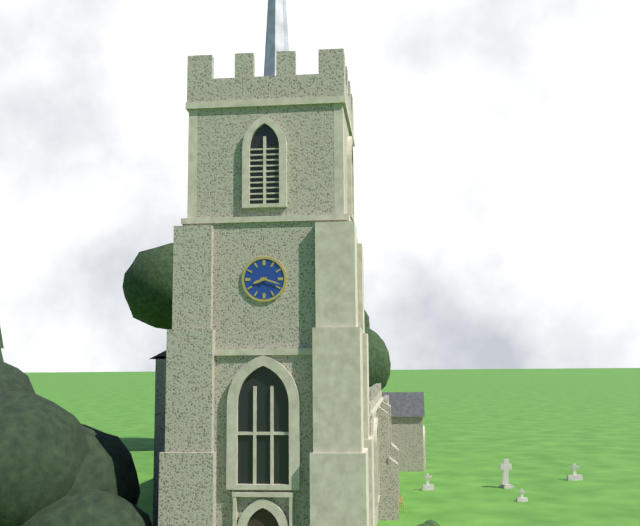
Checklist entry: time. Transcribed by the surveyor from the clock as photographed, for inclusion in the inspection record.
8:18
